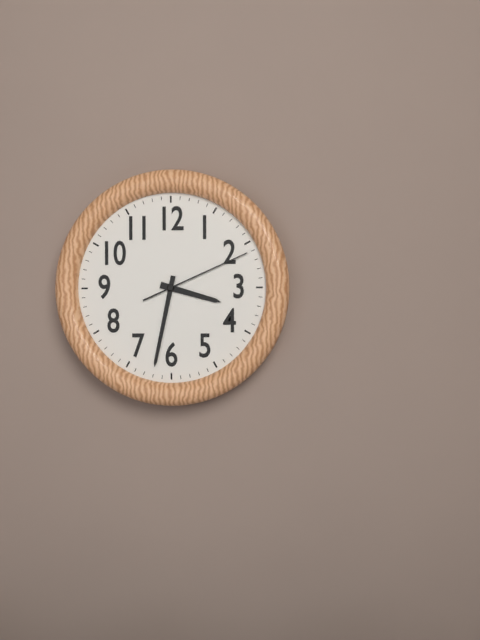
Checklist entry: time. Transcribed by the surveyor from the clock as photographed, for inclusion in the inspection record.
3:32:11
